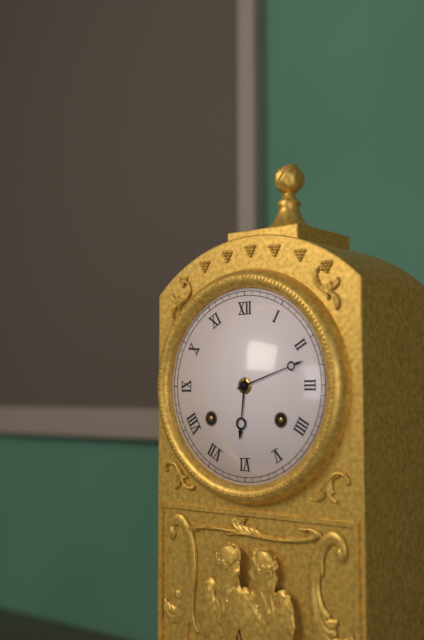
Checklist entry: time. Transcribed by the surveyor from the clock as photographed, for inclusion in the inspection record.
6:12
